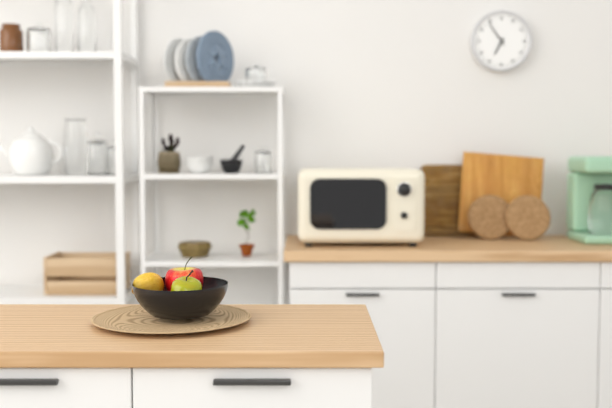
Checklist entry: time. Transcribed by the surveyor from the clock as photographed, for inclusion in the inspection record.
6:54
